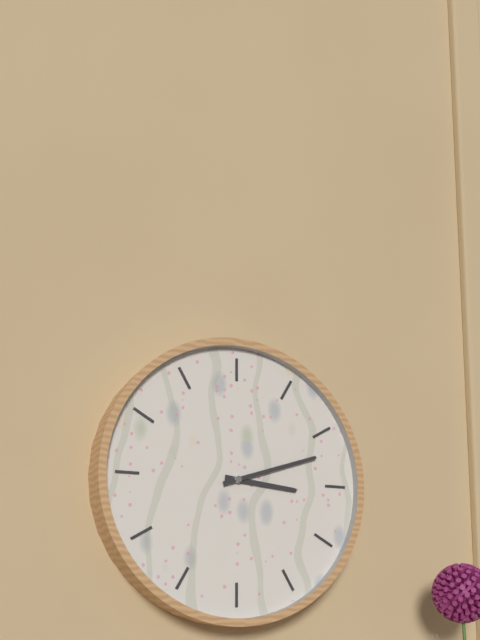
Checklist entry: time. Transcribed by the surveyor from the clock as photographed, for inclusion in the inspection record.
3:12
